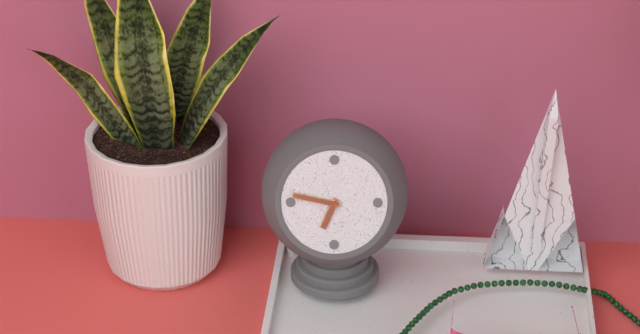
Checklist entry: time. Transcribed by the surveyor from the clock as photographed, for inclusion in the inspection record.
6:47
